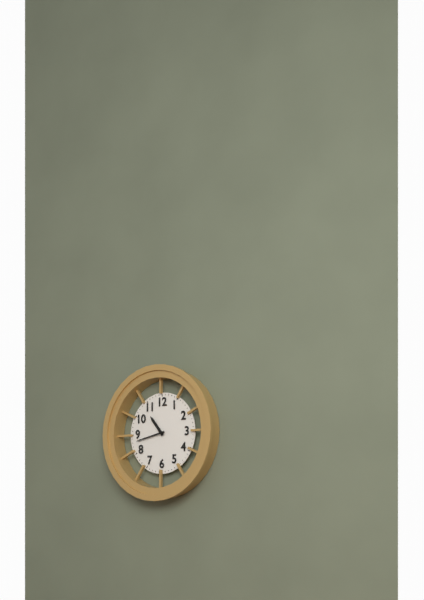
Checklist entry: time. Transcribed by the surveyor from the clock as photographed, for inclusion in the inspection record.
10:43
